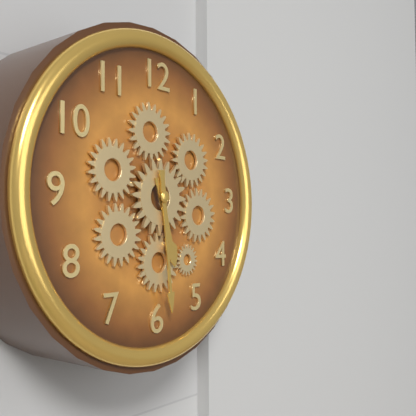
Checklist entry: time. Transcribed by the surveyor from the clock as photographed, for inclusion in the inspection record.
5:29
